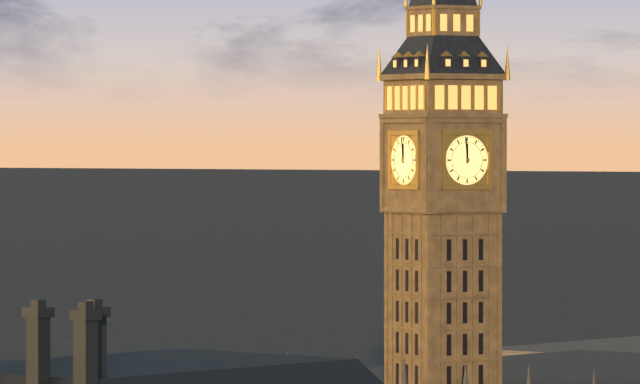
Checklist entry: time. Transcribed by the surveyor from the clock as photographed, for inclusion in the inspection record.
11:59
